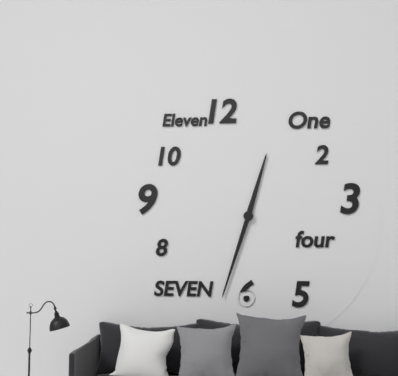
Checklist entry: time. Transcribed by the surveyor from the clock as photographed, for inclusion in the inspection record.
12:33
